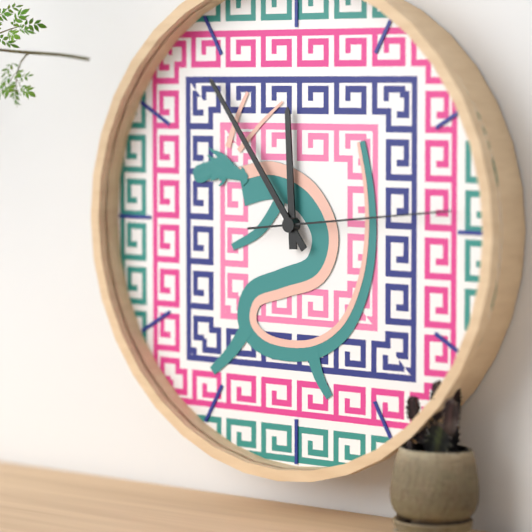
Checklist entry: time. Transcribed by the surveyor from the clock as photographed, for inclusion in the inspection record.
11:54:14
